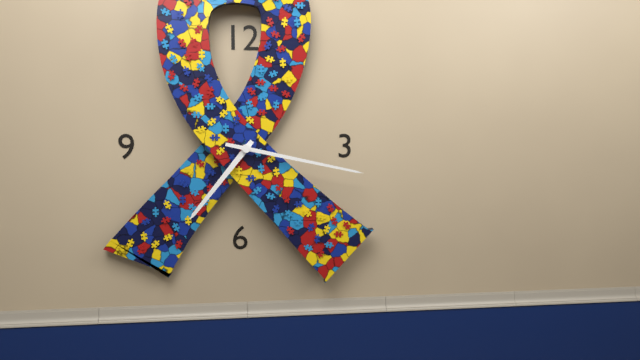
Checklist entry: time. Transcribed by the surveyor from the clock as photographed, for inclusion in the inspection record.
7:17
